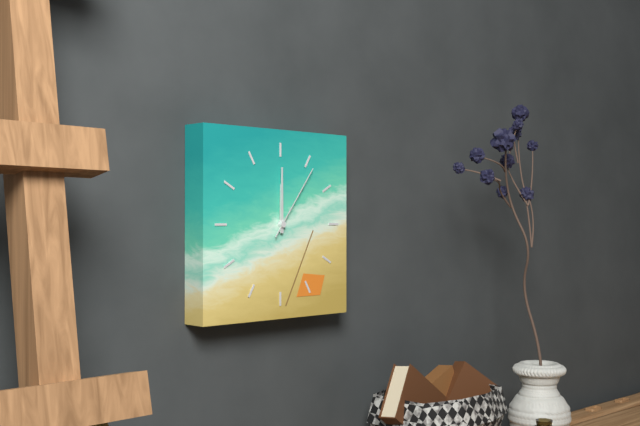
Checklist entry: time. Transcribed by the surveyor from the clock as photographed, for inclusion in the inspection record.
12:00:06
